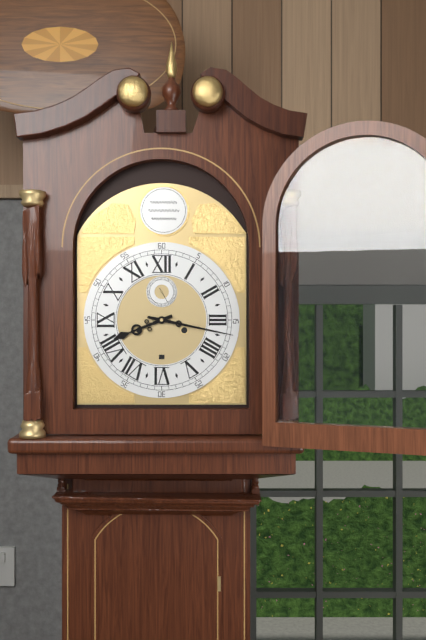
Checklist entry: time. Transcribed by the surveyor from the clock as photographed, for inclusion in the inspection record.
8:17
